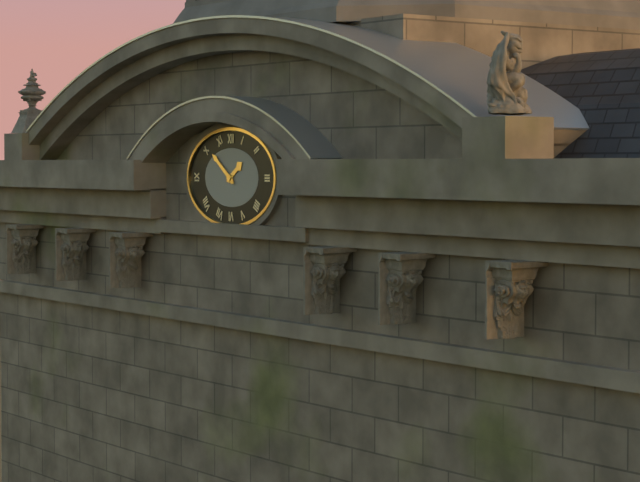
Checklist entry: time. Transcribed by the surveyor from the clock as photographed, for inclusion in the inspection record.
1:51
